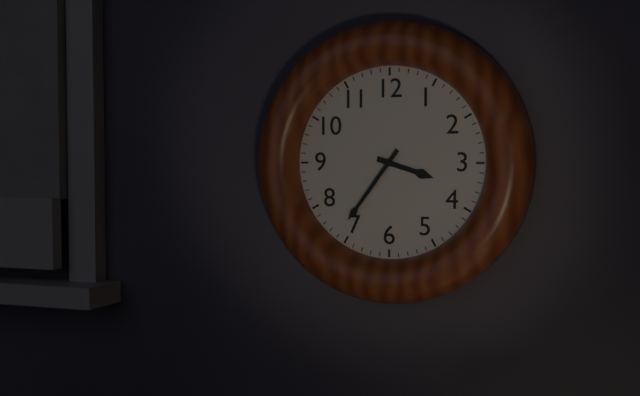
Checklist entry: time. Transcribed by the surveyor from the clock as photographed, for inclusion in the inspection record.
3:36
